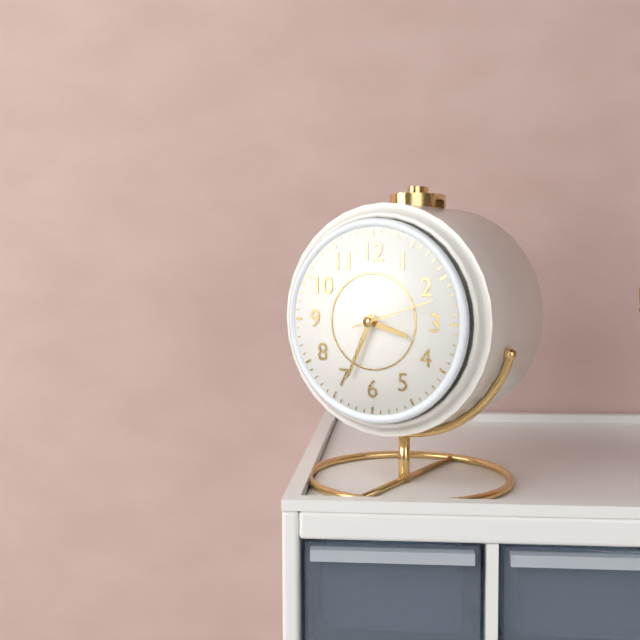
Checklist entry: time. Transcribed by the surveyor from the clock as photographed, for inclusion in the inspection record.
3:34:12
